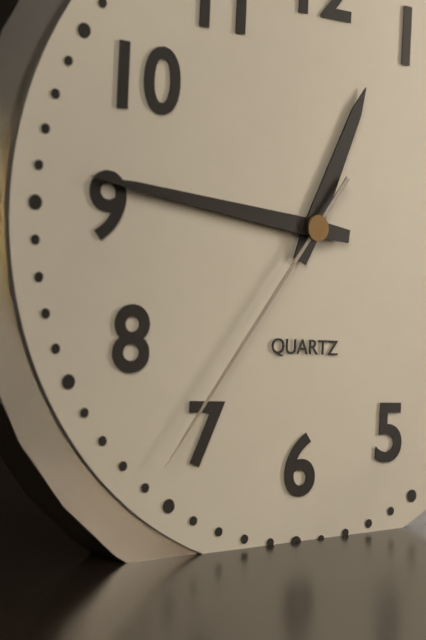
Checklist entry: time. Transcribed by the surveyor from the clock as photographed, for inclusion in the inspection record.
12:46:36
